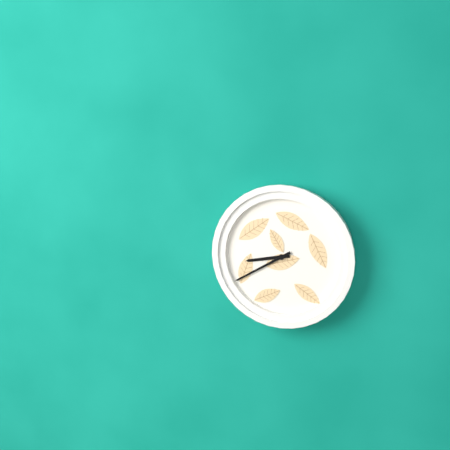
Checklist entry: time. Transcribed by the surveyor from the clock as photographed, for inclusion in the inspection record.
8:40
